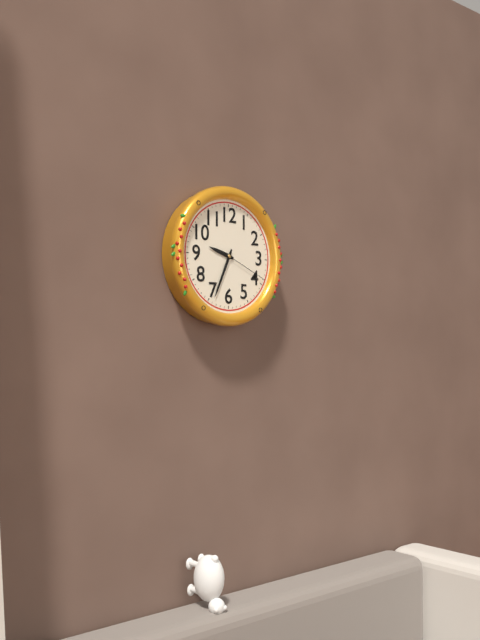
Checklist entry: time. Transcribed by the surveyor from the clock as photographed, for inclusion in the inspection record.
9:34:19
